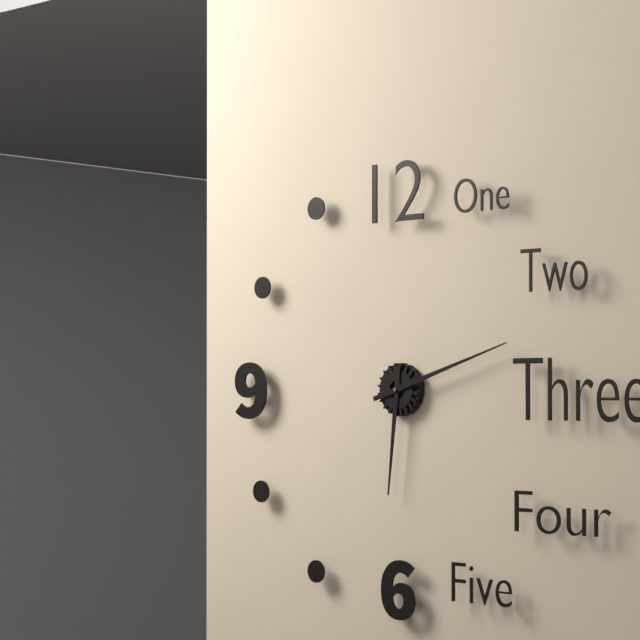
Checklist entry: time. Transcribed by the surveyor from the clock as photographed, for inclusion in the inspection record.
6:12
